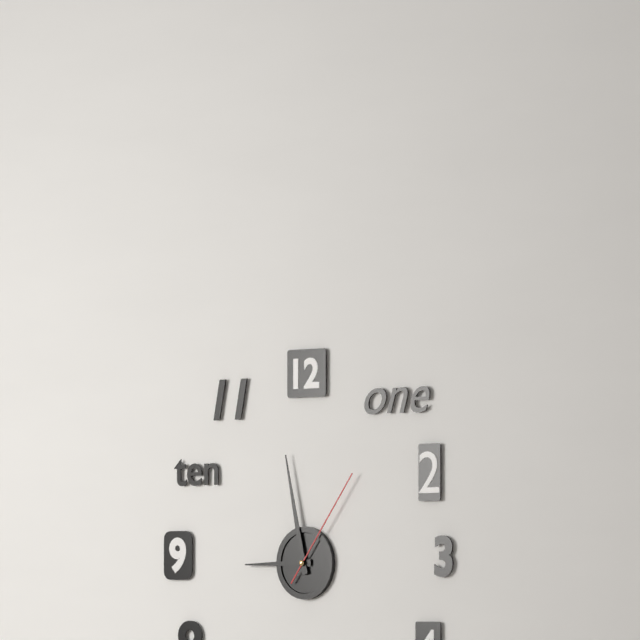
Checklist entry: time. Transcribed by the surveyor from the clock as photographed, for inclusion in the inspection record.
8:58:06
